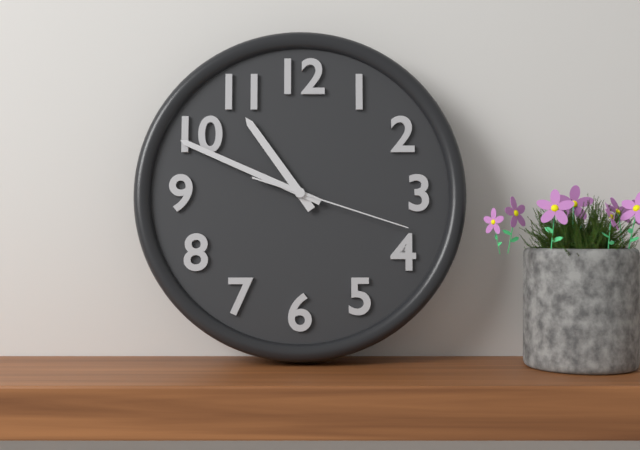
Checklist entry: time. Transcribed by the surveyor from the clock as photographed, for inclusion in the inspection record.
10:49:18
